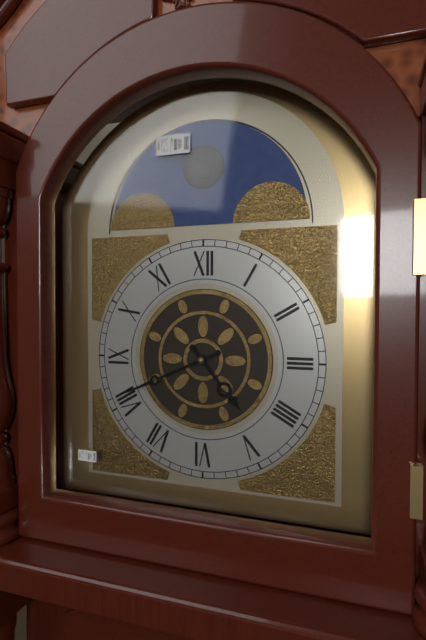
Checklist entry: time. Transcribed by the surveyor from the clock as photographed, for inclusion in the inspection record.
4:41
